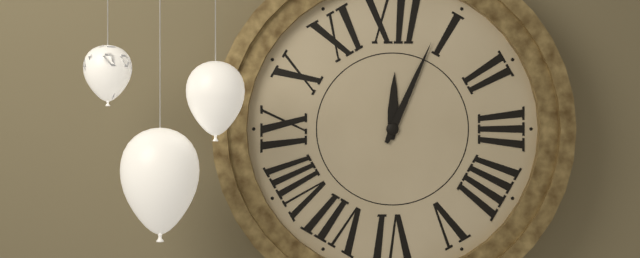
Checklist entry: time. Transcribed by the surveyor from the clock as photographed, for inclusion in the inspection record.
12:04
